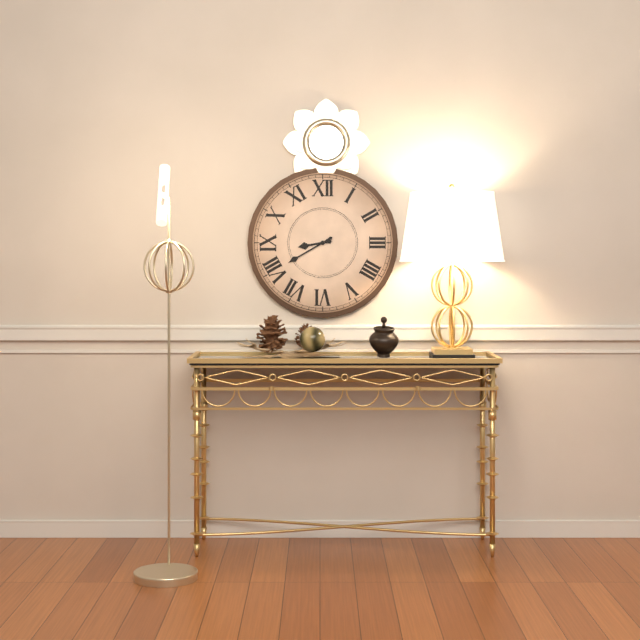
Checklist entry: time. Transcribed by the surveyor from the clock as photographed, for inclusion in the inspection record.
8:40
